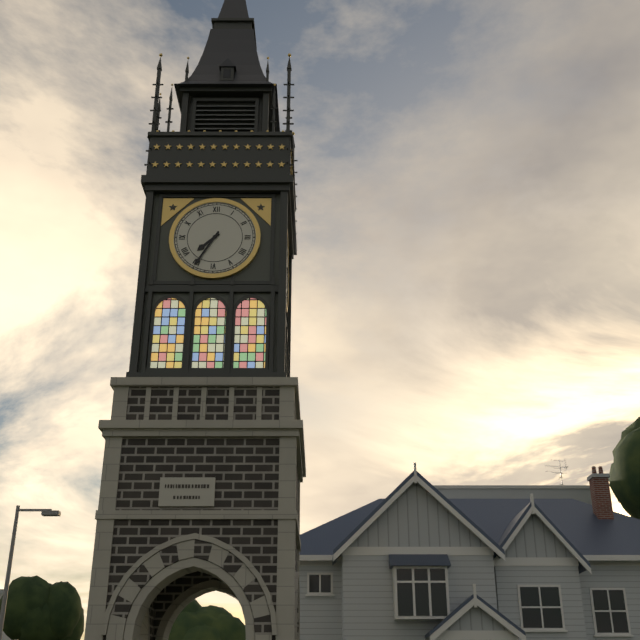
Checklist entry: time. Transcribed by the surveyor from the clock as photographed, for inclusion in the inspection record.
7:35
